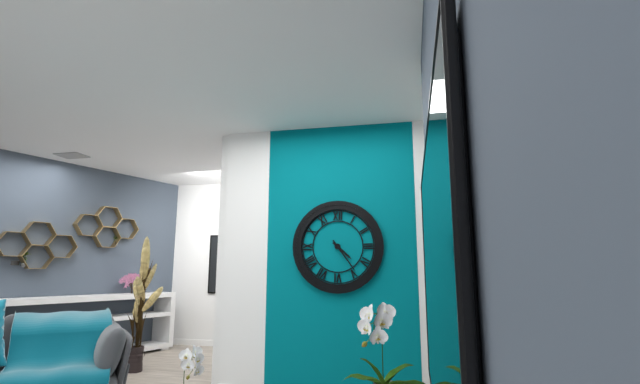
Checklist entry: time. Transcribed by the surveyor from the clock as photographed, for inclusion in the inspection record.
4:24
